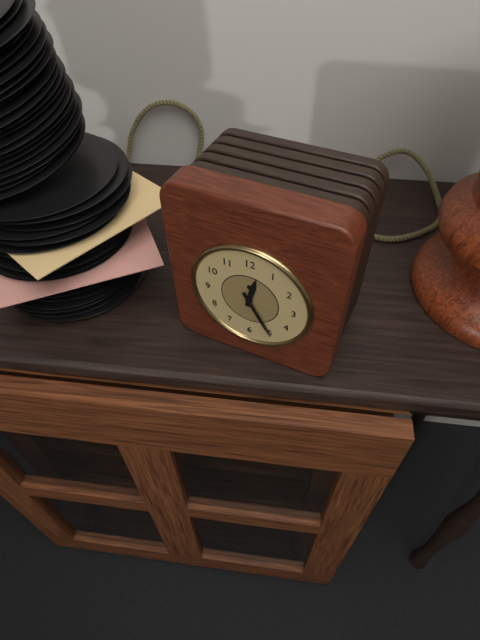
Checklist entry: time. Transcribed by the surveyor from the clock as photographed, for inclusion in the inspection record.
12:25
